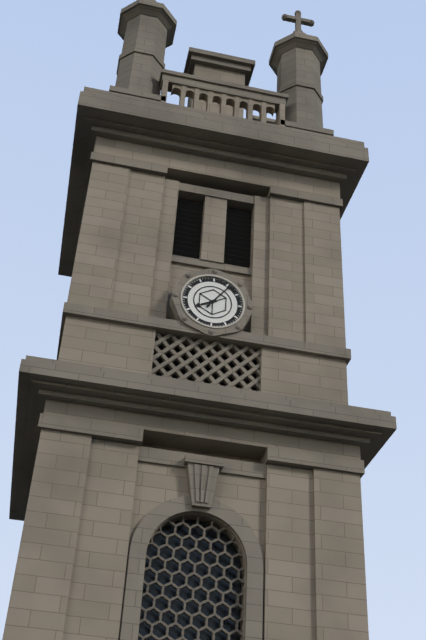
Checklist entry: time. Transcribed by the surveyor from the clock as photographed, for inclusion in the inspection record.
8:06
